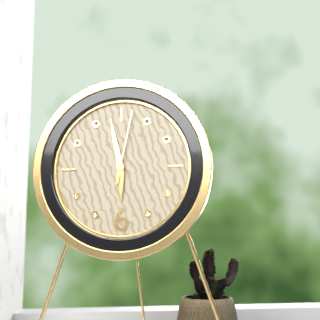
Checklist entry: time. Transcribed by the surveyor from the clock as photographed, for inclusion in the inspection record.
5:58:02
